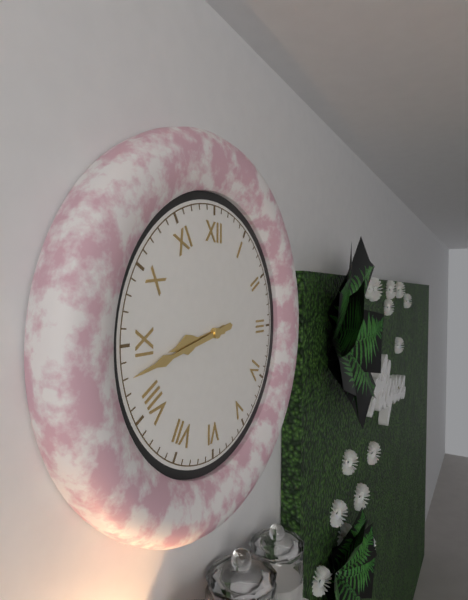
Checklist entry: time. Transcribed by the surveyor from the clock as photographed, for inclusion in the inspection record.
8:43
